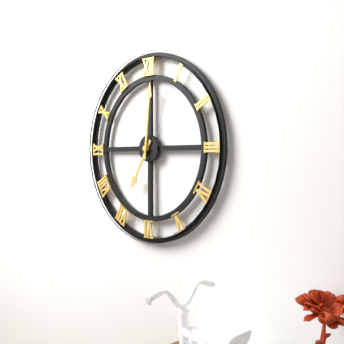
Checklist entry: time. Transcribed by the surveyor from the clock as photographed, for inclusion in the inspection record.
7:01
